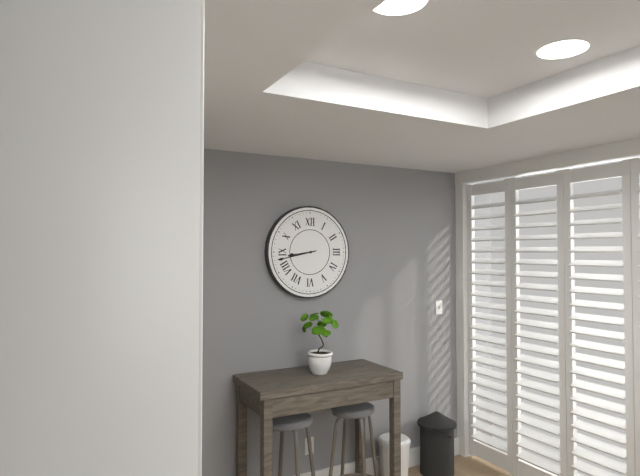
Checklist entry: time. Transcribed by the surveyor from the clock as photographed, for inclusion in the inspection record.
8:43
